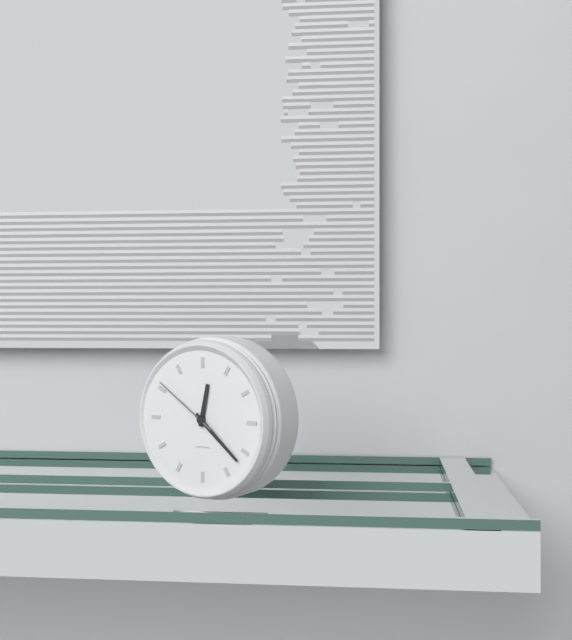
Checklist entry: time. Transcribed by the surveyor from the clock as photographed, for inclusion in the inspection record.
12:22:51
